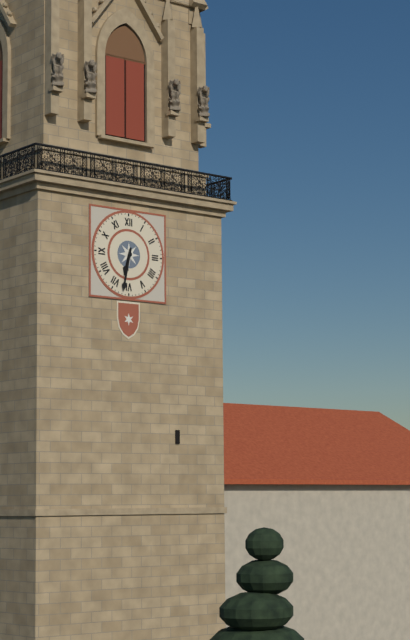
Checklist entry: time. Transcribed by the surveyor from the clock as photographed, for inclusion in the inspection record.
6:32
